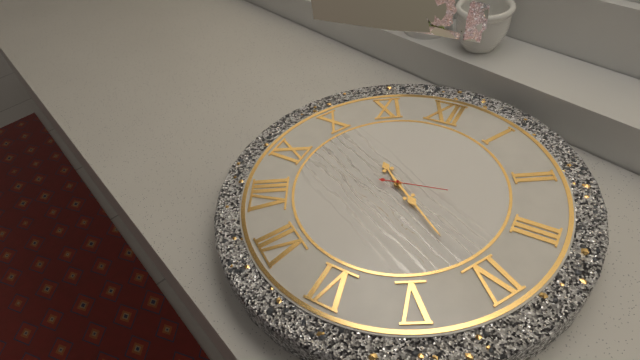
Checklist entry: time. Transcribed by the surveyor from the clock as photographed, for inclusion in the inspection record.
10:21:13
